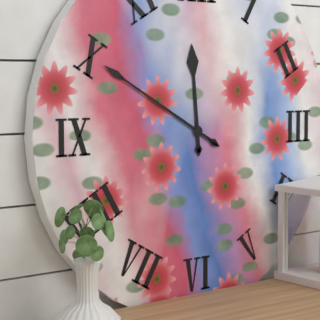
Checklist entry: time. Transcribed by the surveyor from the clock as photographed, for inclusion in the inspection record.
11:50
